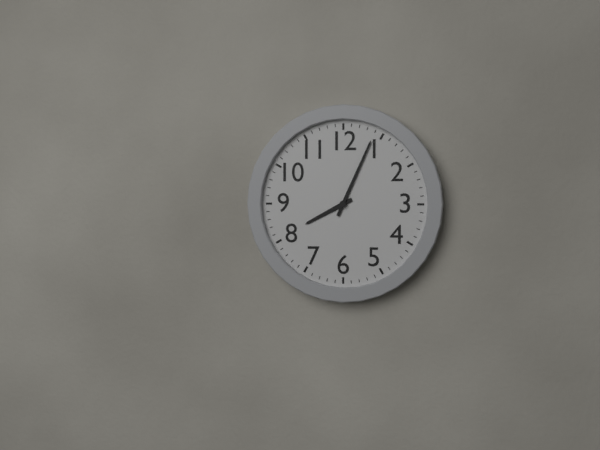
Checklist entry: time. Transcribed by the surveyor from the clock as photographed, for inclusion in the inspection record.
8:04
